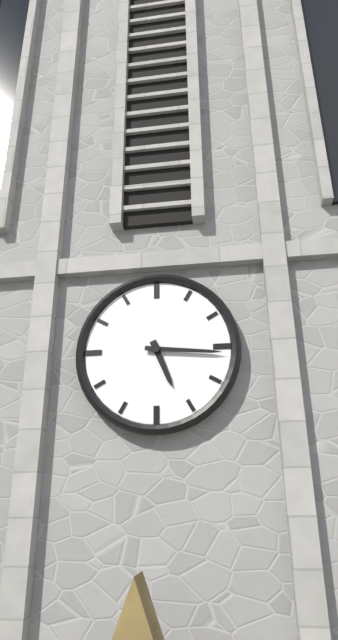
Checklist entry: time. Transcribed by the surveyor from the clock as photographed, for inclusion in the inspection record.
5:16
